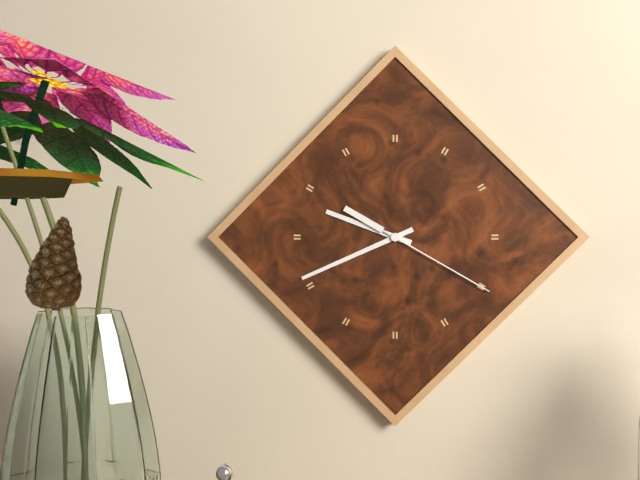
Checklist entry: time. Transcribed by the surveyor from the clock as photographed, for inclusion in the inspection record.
9:41:20
